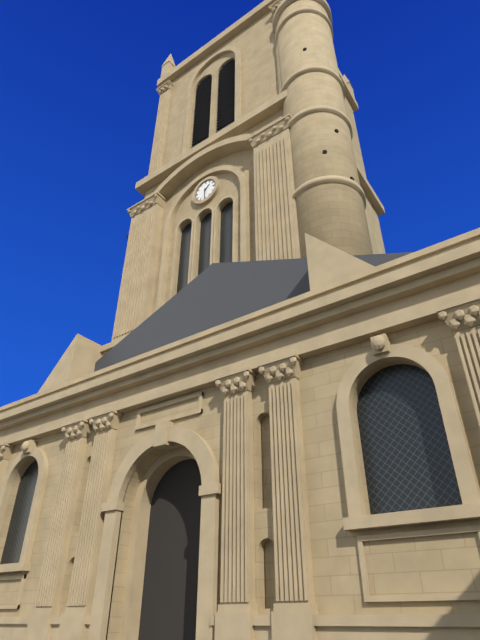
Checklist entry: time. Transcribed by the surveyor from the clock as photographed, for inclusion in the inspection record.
1:30
